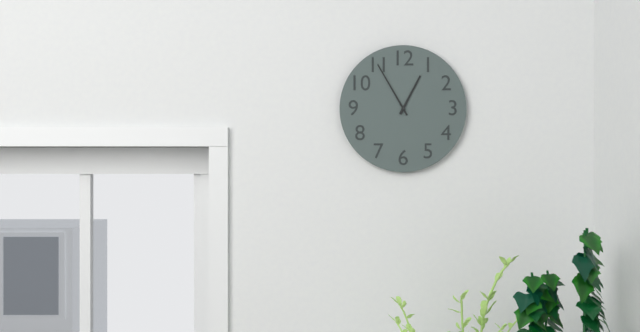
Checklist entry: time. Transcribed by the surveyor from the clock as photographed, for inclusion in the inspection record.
12:55
